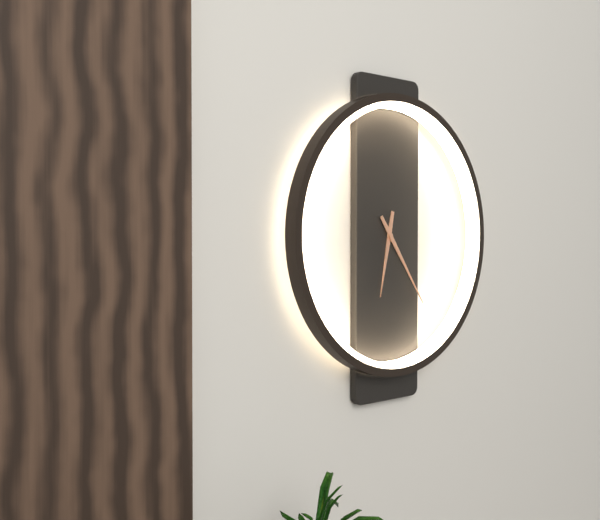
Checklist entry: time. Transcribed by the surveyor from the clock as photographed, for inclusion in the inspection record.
6:24
